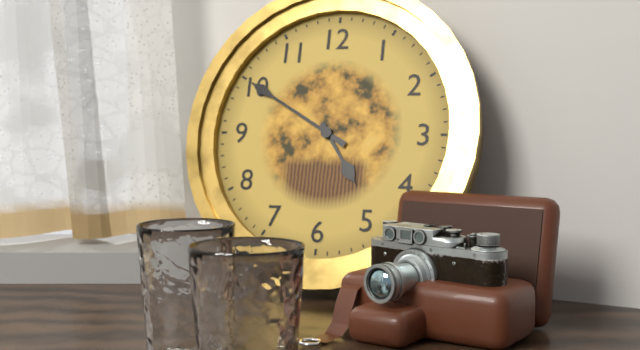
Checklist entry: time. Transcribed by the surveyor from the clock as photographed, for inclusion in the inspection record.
4:50
